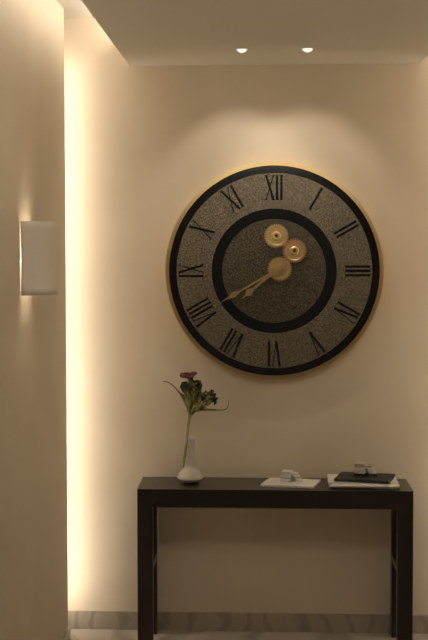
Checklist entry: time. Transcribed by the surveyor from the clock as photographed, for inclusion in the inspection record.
7:40
